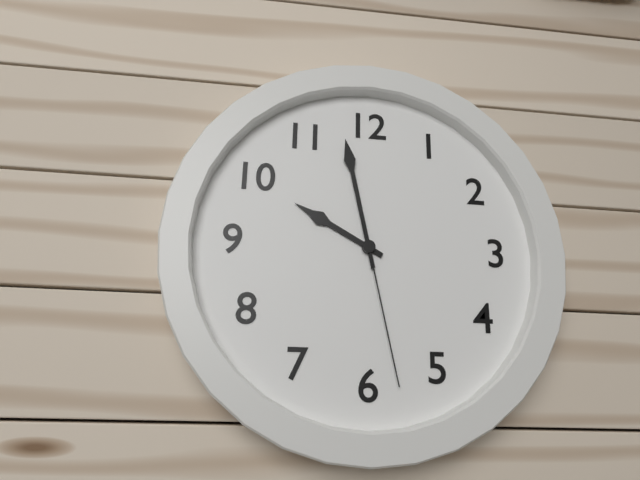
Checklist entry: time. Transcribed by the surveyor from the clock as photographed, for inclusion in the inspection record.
9:58:28
